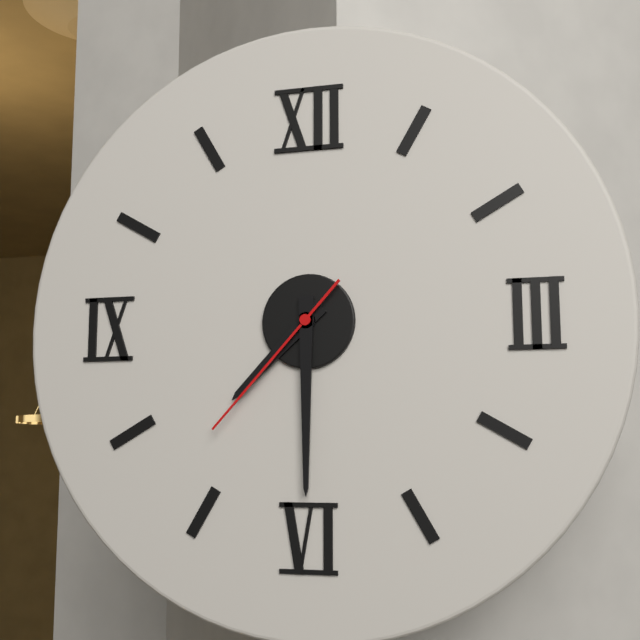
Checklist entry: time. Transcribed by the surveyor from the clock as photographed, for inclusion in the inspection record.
7:30:37
